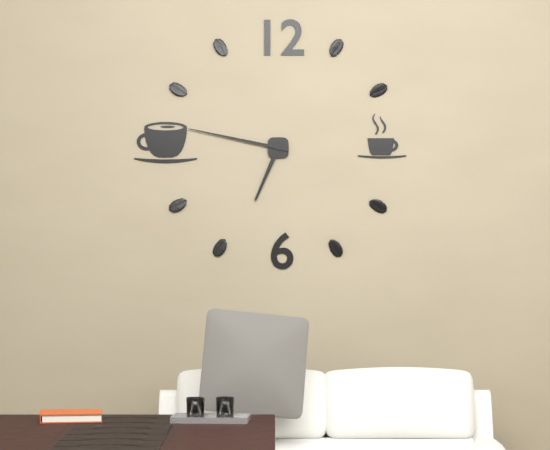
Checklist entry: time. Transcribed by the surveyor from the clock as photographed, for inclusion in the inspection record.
6:47
